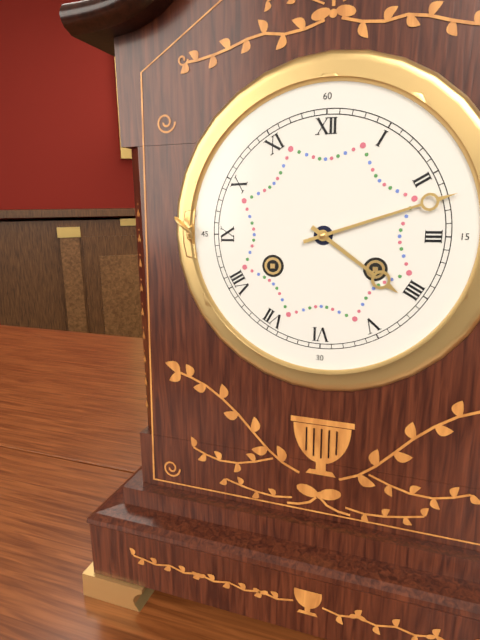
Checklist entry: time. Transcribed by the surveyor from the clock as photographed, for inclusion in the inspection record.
4:12
